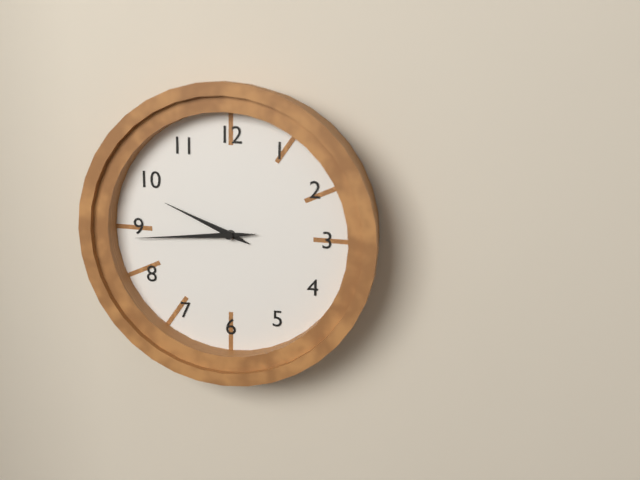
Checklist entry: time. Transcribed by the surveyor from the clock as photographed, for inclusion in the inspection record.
9:44
